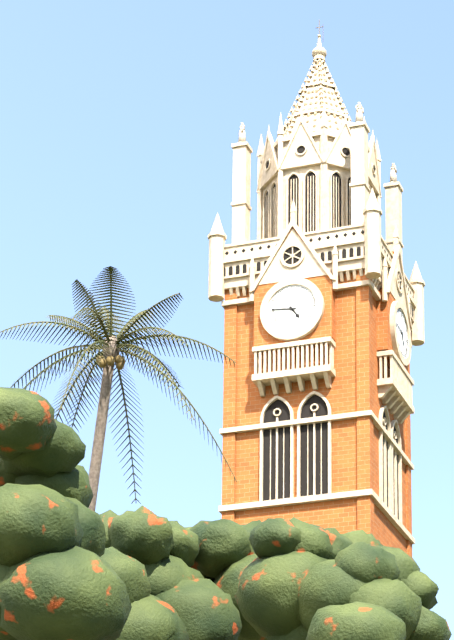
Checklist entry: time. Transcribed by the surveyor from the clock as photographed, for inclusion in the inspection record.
4:46
